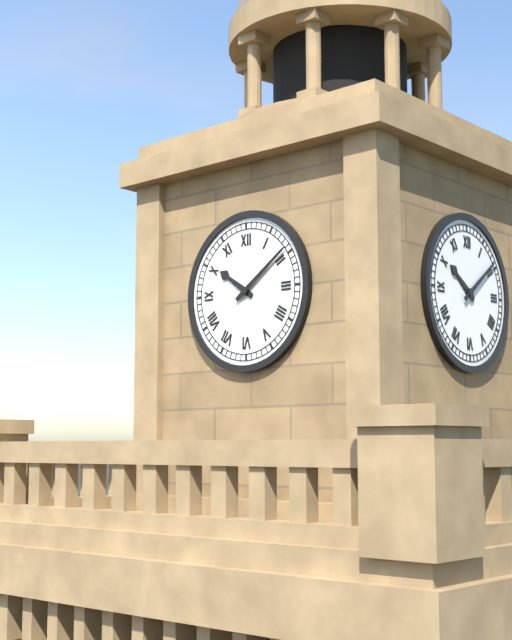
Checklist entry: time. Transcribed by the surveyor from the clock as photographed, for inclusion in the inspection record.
10:09
